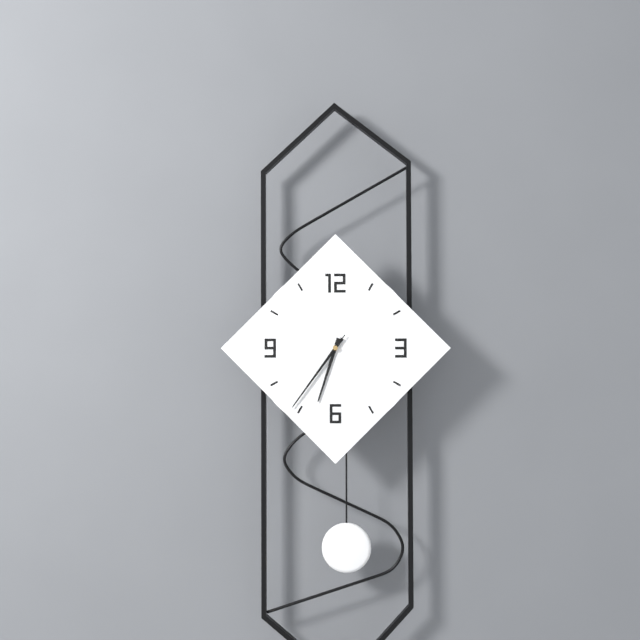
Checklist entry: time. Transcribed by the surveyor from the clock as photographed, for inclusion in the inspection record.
6:36:36
